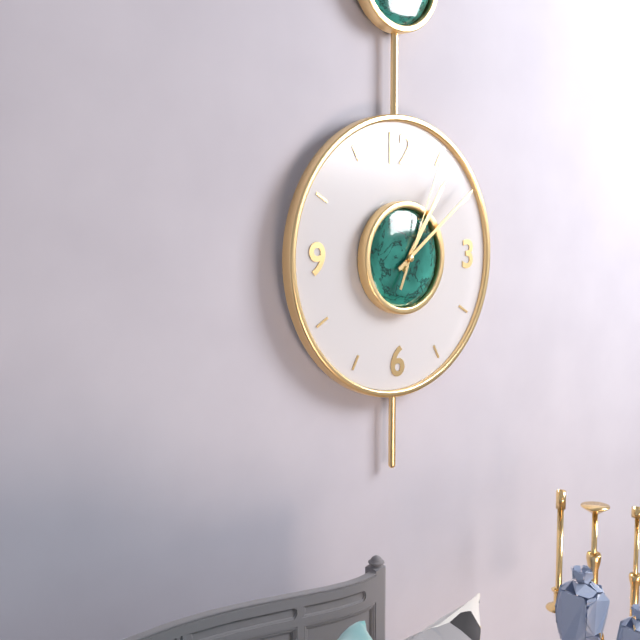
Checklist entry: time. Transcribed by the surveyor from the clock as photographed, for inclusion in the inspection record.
1:09:04
